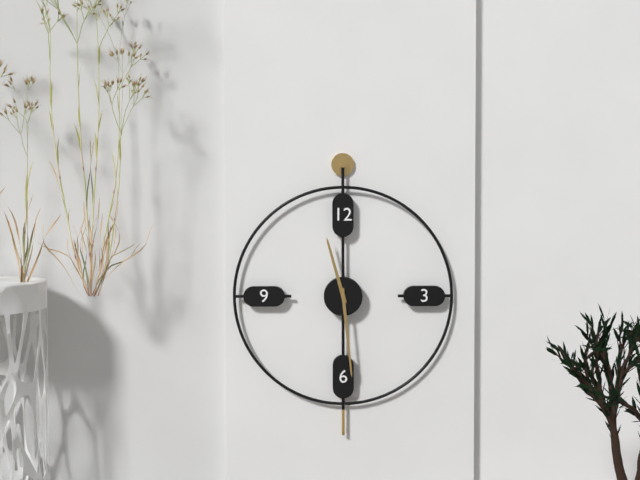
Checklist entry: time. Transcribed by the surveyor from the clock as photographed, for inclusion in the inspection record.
11:29
